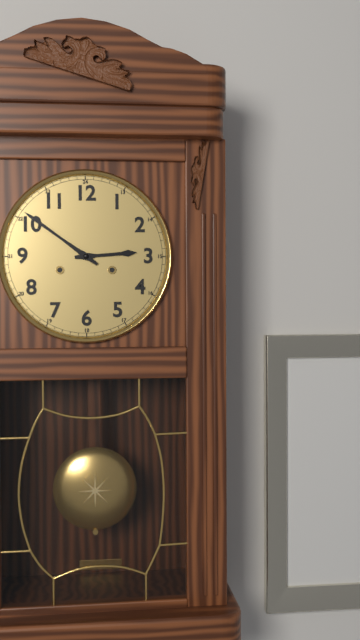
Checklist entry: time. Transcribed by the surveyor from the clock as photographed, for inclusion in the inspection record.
2:51
